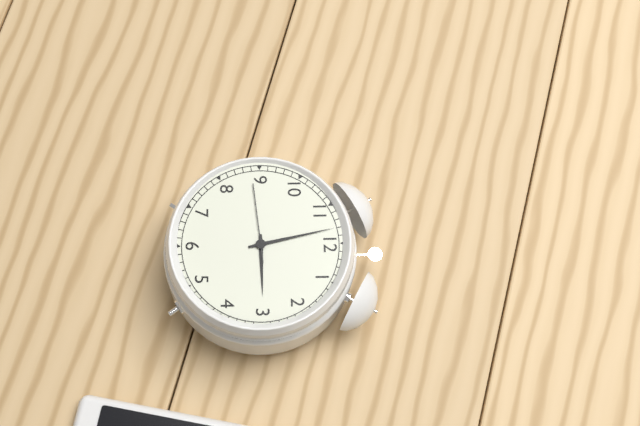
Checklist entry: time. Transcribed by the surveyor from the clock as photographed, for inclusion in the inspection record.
2:58:44
